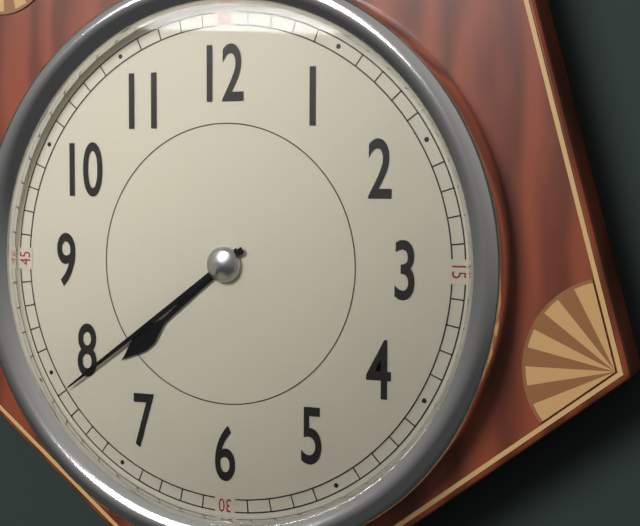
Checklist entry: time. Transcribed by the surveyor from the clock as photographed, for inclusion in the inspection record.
7:39
